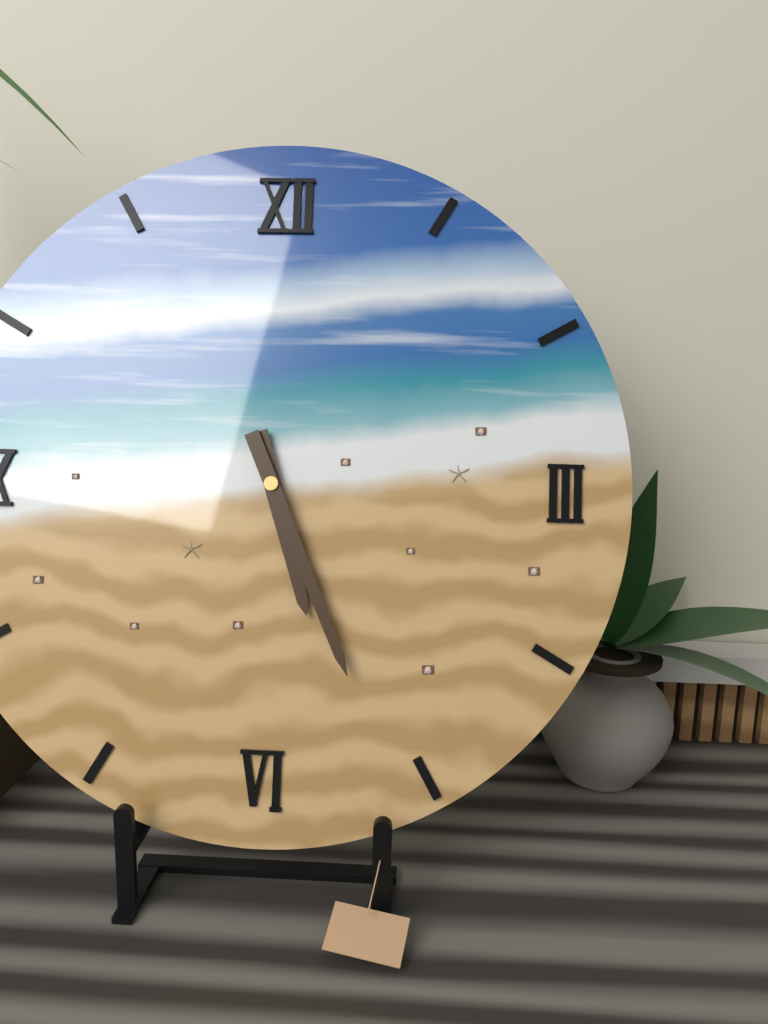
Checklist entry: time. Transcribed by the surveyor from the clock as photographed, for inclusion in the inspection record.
5:26
